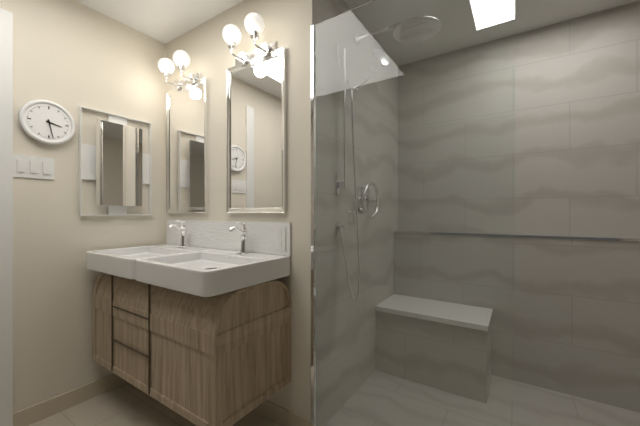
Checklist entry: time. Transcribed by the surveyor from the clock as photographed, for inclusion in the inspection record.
3:28
